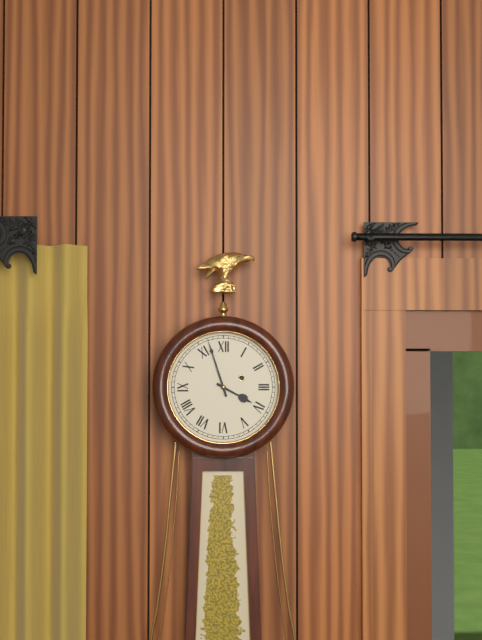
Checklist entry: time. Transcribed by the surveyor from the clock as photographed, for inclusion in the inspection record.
3:57
